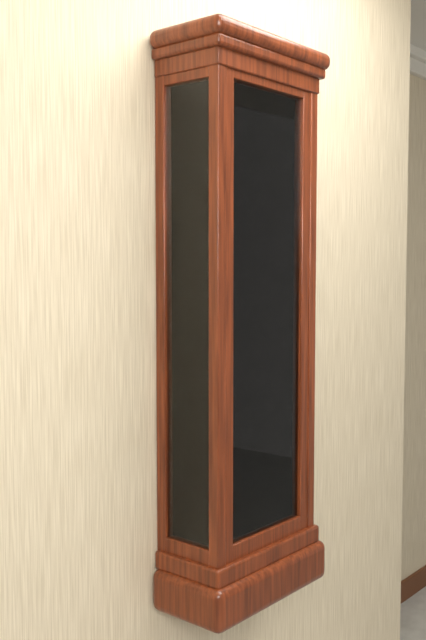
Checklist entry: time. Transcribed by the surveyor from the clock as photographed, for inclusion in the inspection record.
10:02
